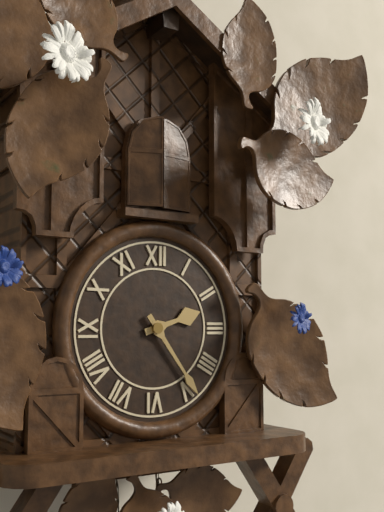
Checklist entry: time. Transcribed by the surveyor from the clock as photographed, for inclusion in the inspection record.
2:24
